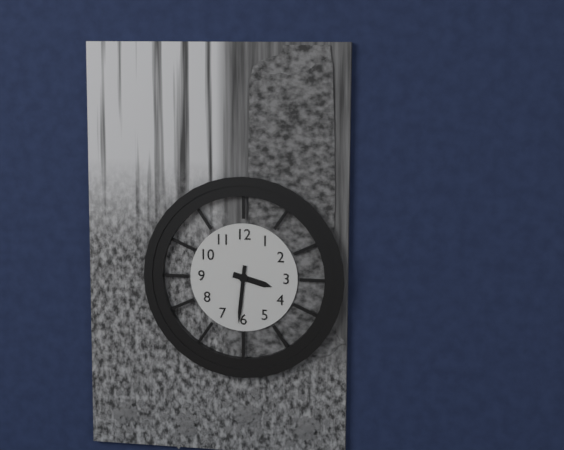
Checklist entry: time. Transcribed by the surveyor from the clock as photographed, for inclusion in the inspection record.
3:31
